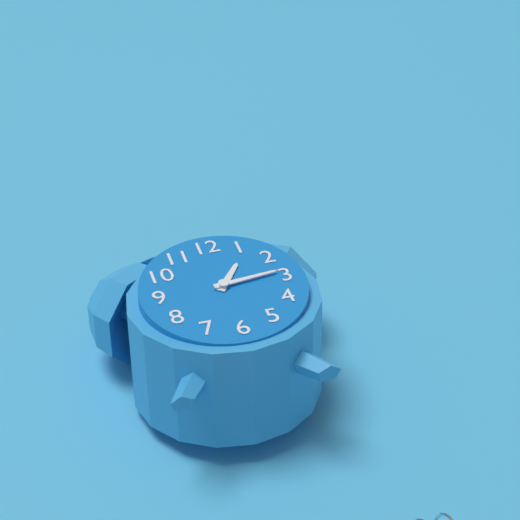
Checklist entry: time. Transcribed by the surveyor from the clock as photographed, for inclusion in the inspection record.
1:14
